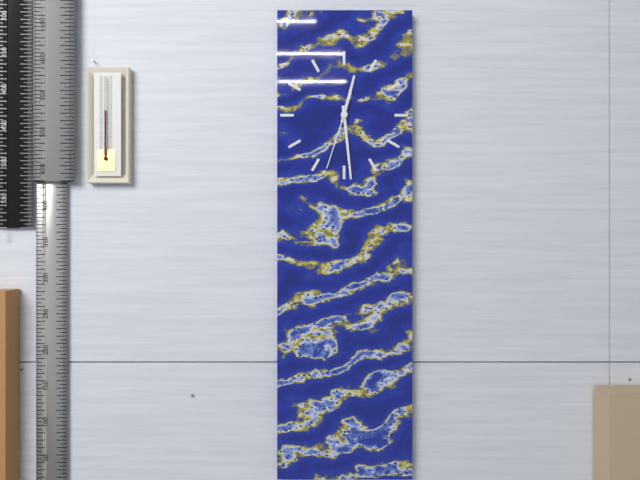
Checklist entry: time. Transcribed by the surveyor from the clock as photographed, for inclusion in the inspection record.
12:29:33
